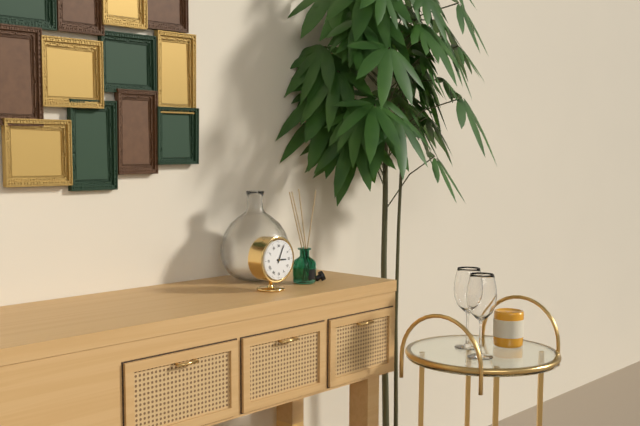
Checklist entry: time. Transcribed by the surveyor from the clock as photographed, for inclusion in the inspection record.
3:04
